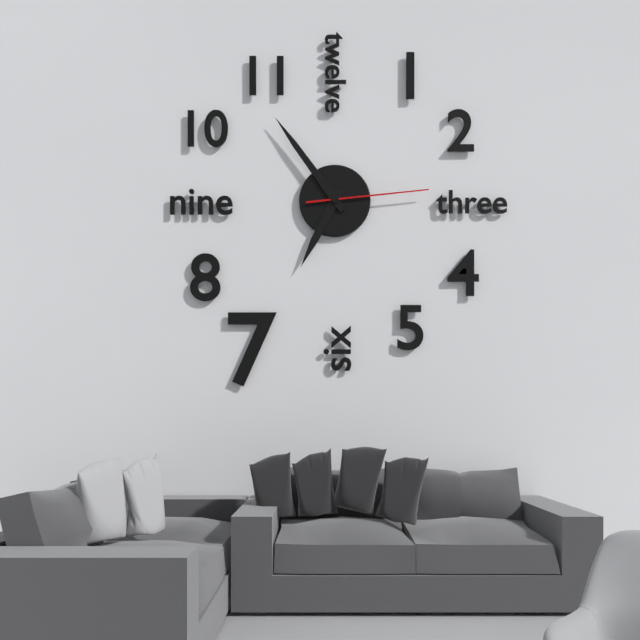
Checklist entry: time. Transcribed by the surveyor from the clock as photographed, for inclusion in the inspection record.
6:54:14
